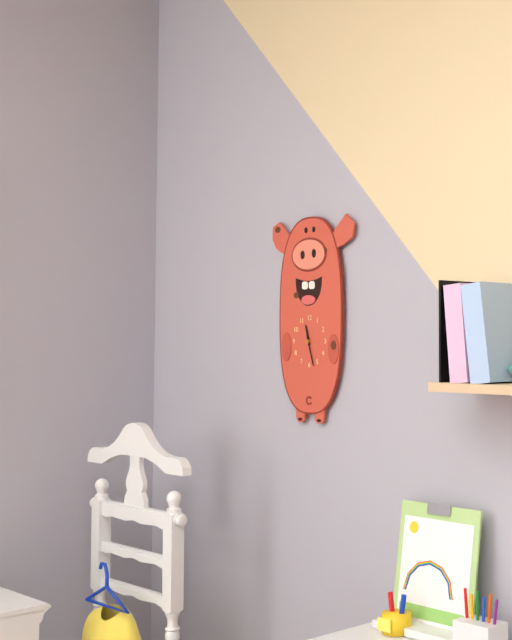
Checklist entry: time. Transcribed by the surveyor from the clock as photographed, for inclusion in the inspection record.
11:27
